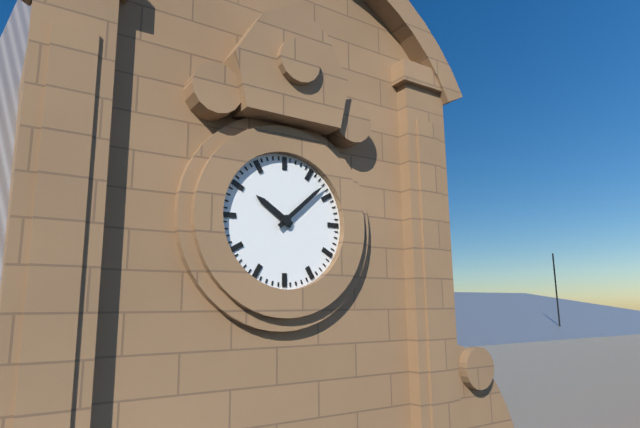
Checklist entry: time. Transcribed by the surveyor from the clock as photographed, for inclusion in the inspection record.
10:08
